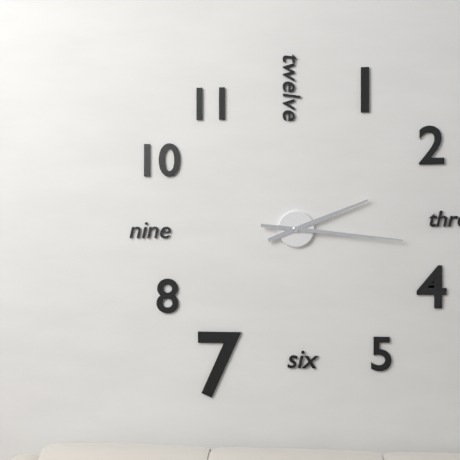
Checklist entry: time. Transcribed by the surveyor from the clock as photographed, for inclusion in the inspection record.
2:16
